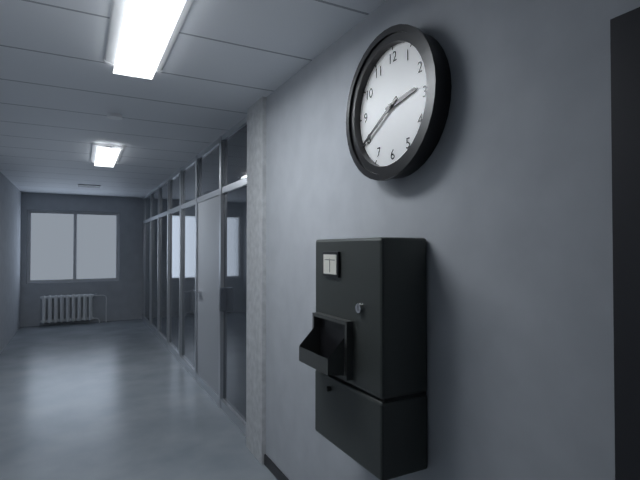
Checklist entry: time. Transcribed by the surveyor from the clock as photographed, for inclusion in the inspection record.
2:40
